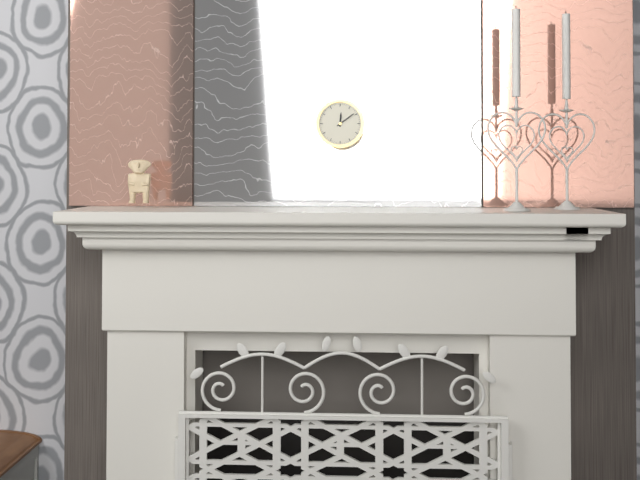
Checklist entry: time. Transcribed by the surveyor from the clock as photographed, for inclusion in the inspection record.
12:09
